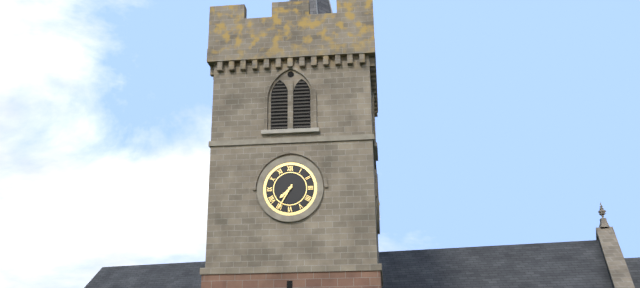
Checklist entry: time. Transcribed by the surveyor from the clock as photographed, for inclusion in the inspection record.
7:35
